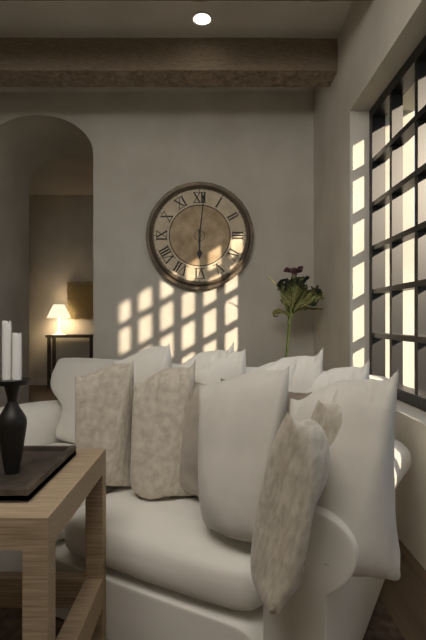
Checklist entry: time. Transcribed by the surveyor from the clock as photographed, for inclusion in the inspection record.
6:01
